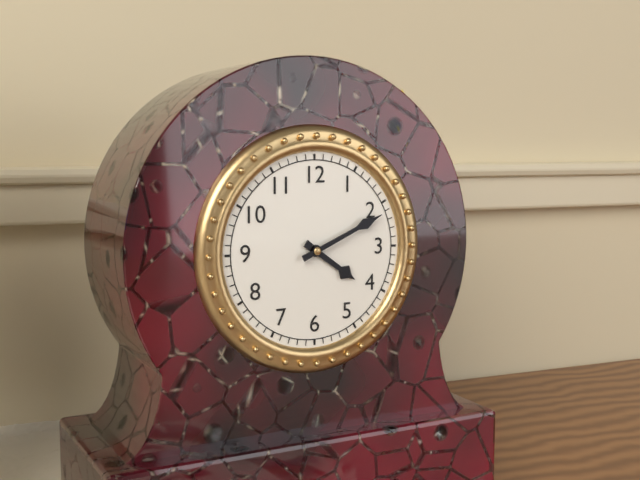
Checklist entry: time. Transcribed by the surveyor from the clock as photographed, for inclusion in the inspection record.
4:11
